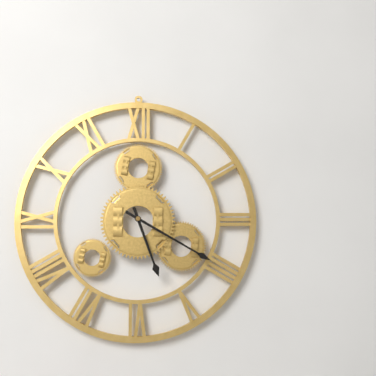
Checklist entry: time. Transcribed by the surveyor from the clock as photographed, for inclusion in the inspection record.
5:20
